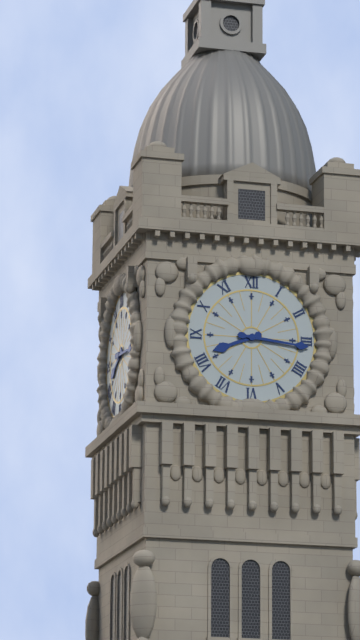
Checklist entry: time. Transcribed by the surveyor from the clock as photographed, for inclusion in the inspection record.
8:16
